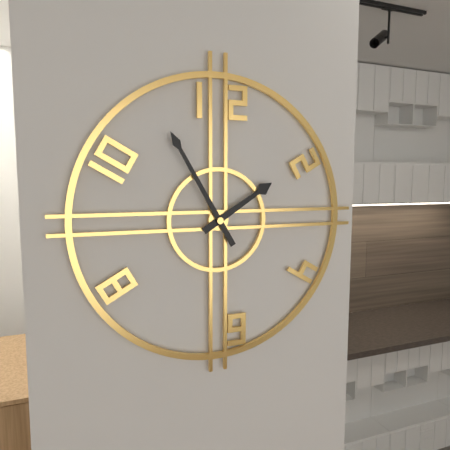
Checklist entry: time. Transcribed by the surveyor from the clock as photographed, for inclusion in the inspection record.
1:55
